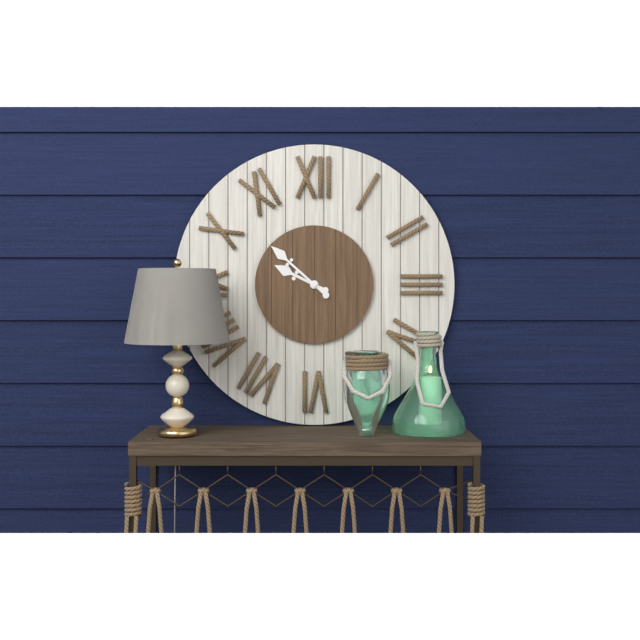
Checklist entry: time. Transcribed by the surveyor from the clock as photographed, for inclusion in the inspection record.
9:52
